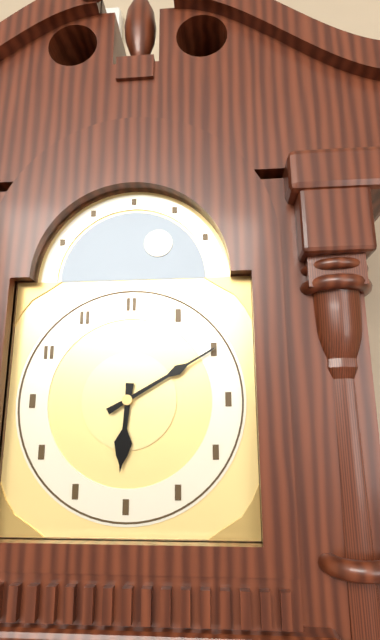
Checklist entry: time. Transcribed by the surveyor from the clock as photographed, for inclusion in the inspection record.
6:10
